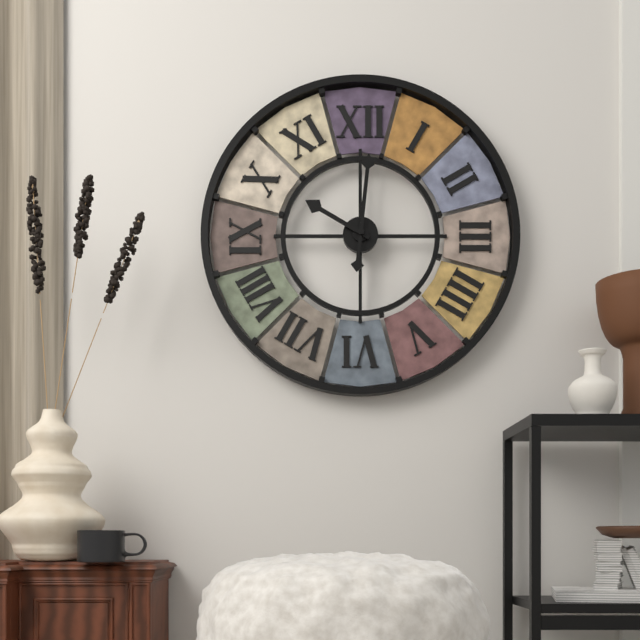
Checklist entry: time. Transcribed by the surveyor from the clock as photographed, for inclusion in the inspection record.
10:01
